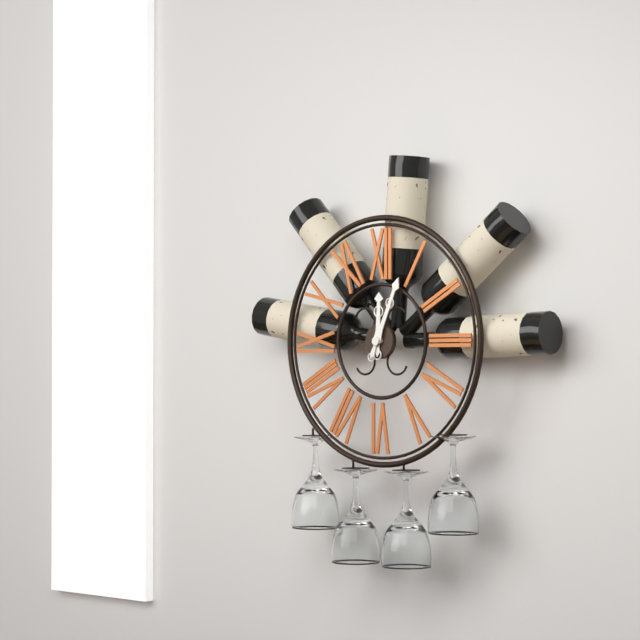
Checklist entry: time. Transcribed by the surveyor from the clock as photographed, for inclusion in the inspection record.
12:04
